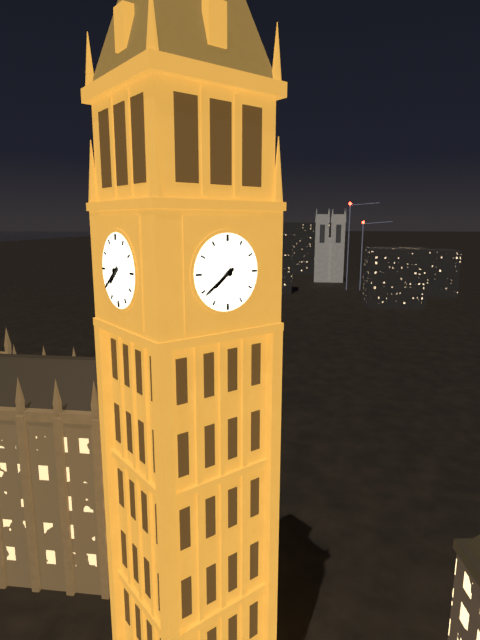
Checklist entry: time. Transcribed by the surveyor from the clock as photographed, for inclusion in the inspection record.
7:39
